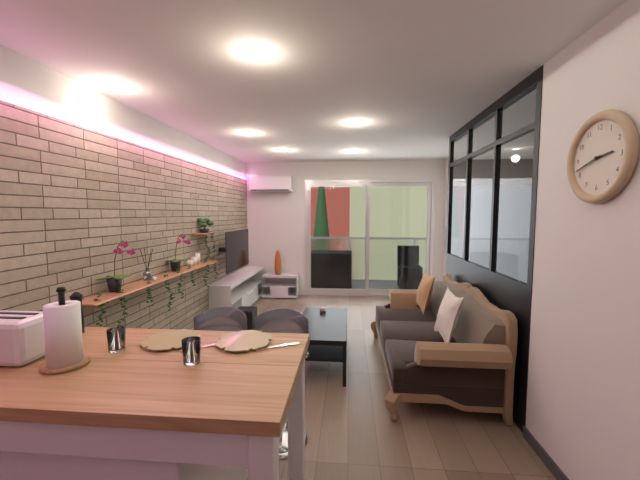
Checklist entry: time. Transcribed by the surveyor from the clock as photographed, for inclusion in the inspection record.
2:42
